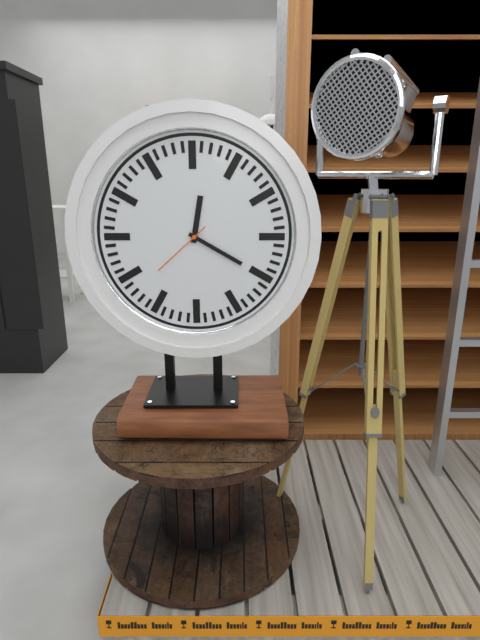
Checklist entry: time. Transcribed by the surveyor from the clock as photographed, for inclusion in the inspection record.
12:20:38
